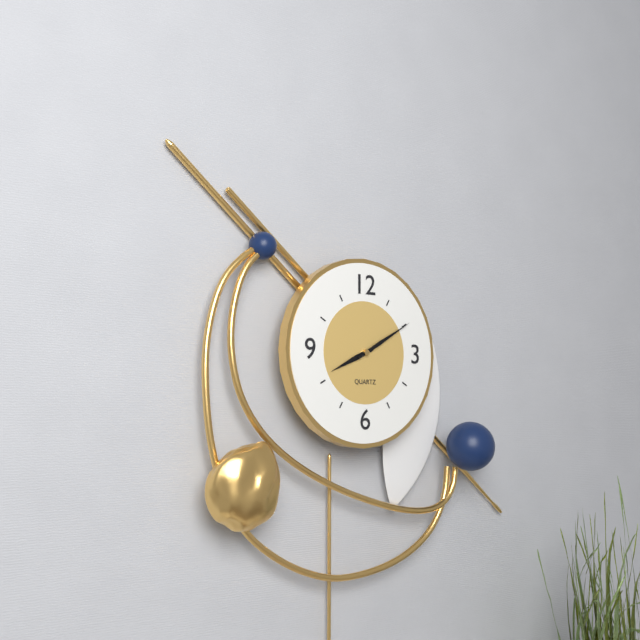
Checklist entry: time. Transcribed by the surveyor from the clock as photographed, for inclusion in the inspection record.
8:10
